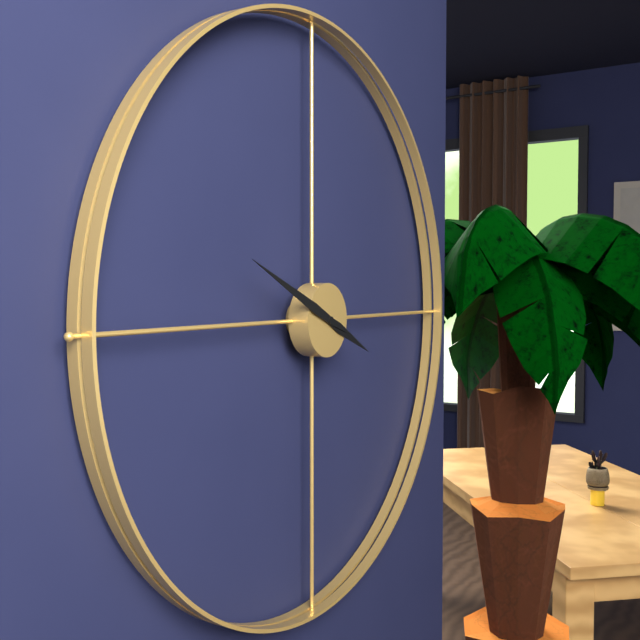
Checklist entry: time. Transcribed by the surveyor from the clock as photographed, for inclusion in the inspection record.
3:49
